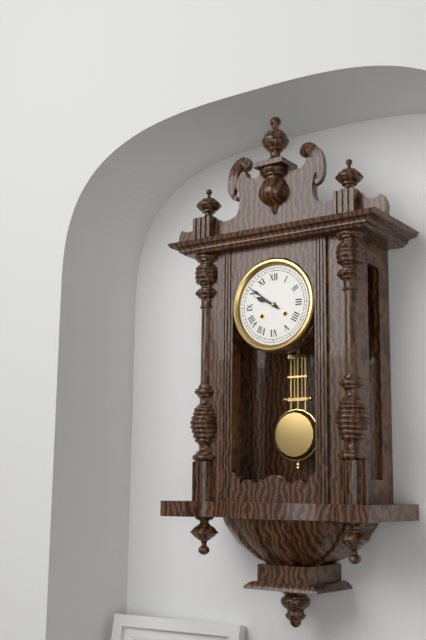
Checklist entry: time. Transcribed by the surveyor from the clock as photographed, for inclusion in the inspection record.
9:51
